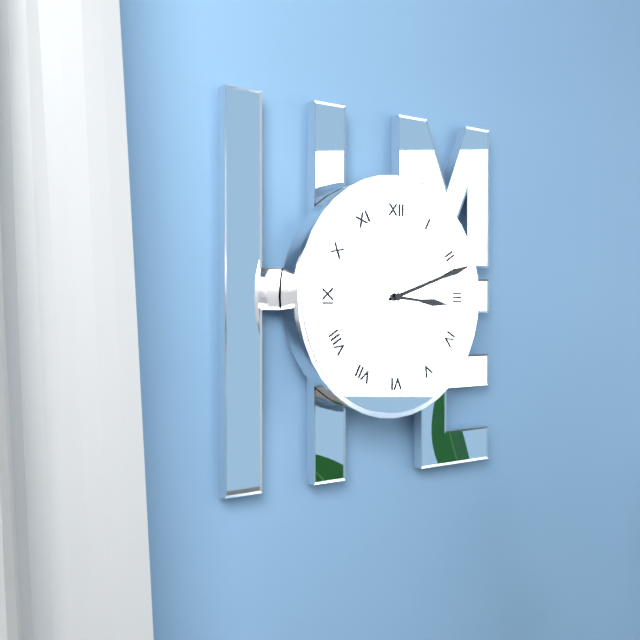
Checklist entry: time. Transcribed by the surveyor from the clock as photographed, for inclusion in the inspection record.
3:12
